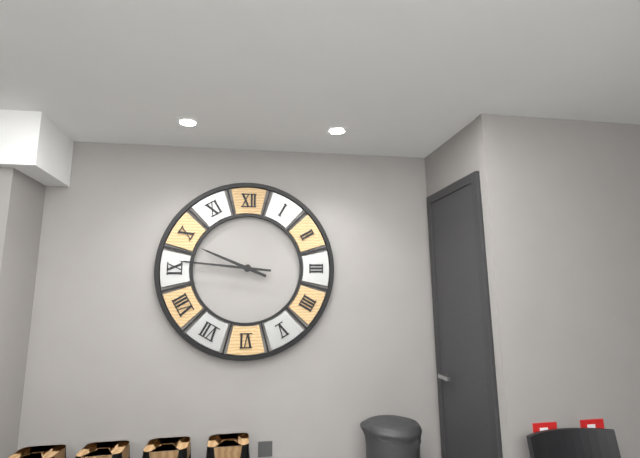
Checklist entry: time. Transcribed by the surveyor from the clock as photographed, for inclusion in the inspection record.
9:46
